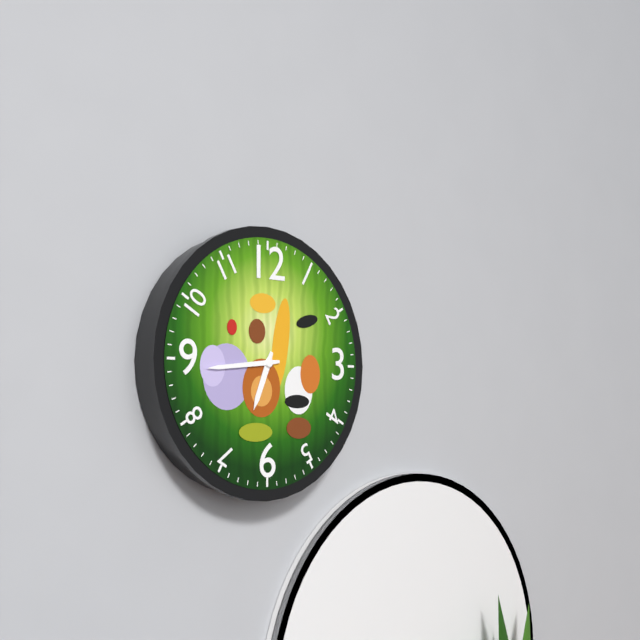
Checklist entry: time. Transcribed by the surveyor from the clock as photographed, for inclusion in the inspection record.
6:44
